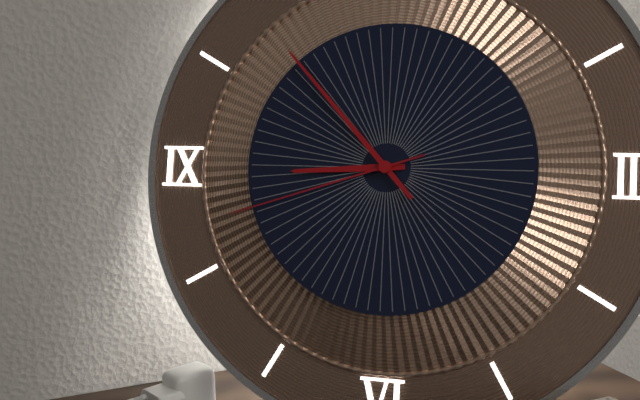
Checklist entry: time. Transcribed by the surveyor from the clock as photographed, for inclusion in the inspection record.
8:53:42
